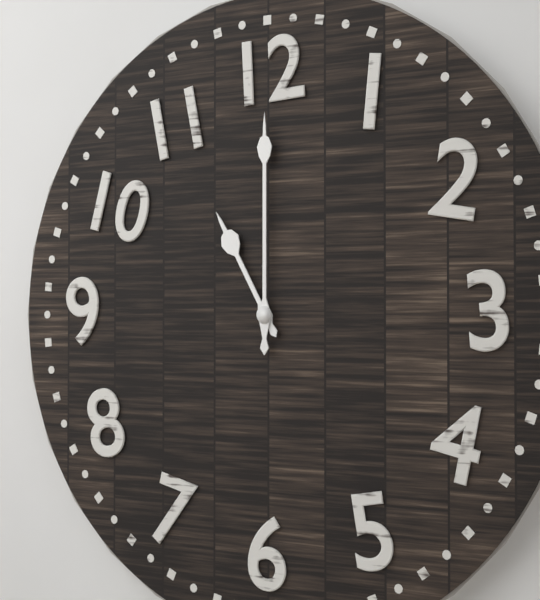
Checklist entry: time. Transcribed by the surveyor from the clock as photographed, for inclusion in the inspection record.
11:00
